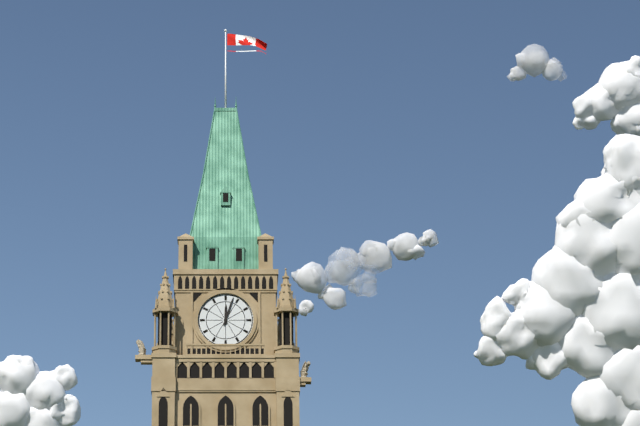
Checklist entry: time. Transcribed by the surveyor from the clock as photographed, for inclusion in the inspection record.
12:03
